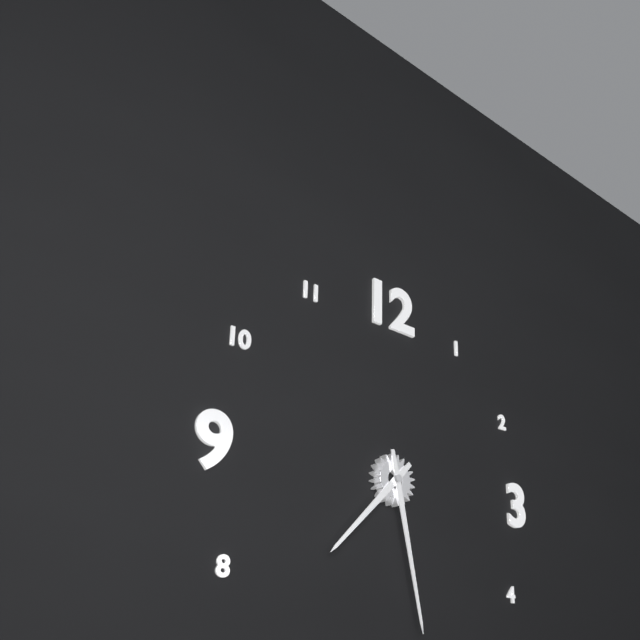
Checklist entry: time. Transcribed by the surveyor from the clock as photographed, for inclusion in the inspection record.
7:28
